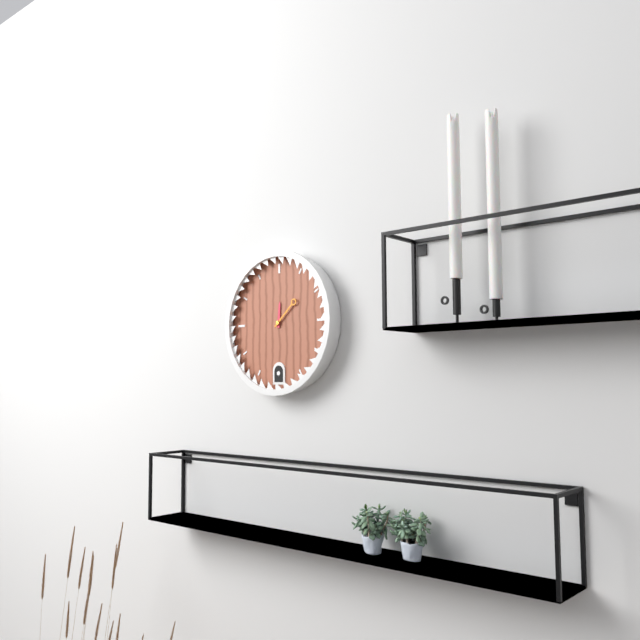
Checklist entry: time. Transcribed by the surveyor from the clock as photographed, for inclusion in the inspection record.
12:08
